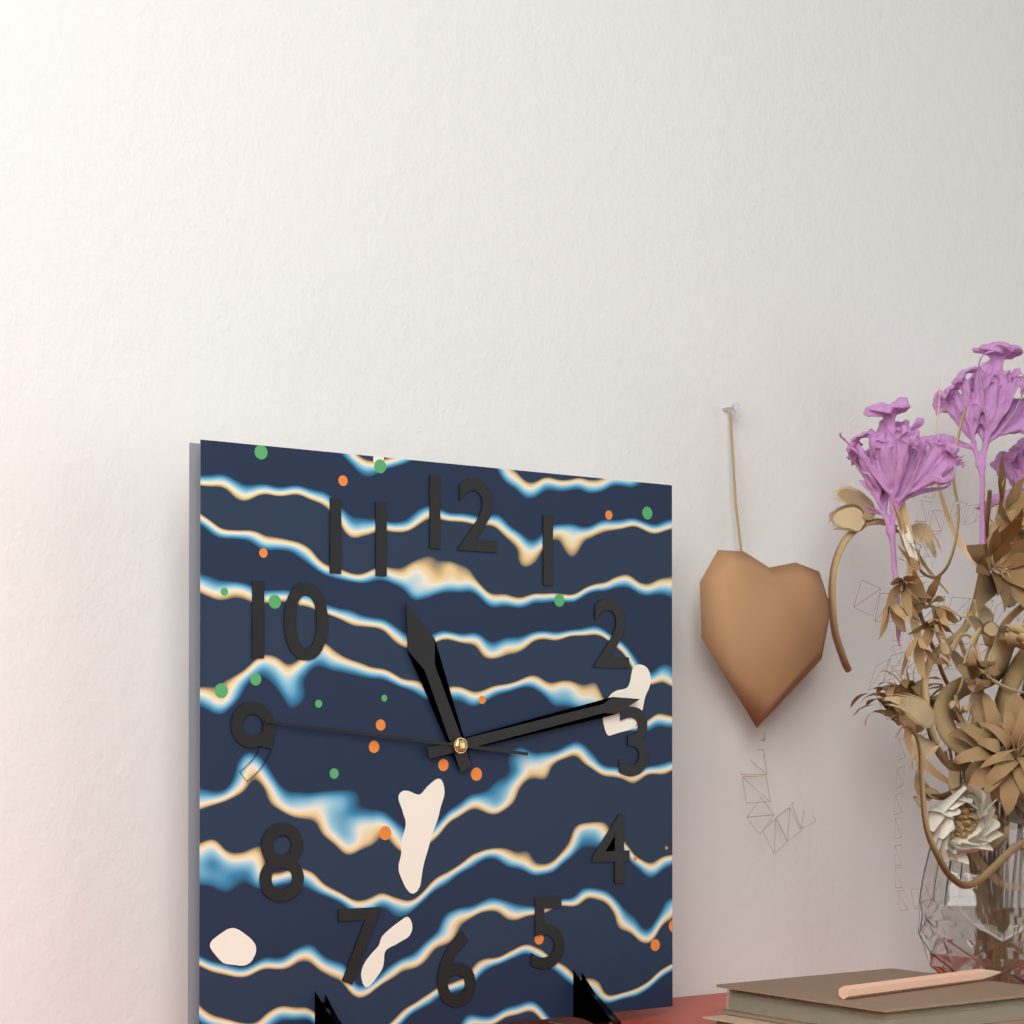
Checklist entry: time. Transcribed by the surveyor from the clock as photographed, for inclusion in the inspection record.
11:13:46
